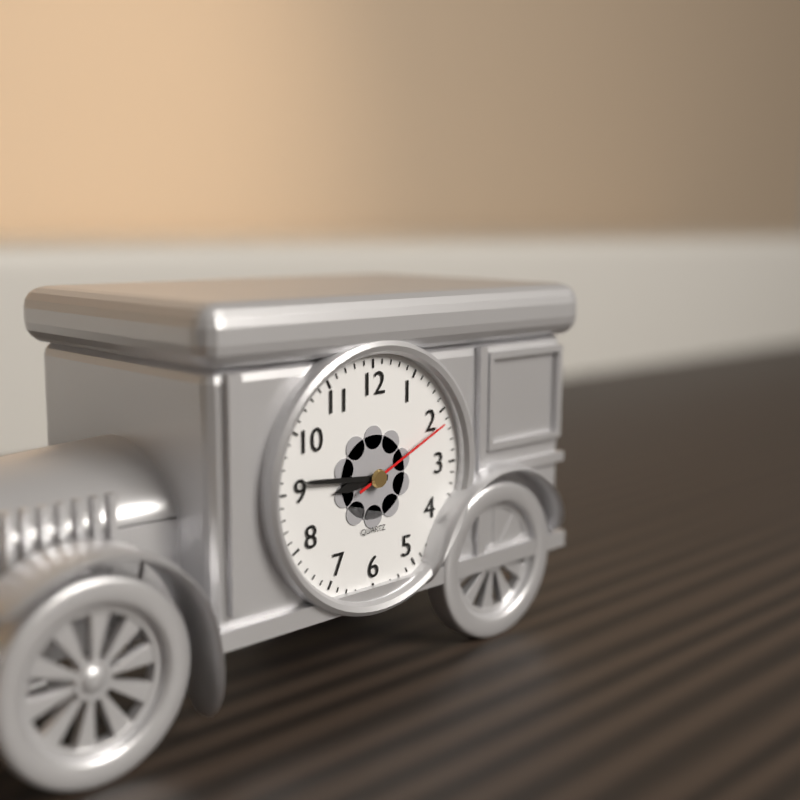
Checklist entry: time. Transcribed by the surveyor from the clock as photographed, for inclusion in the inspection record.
8:46:11
